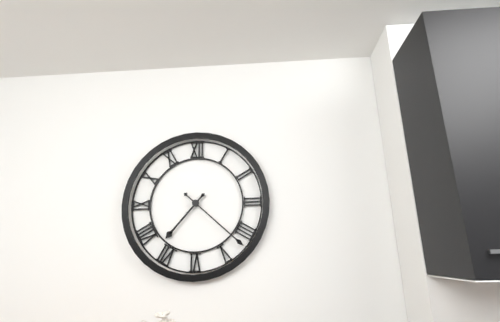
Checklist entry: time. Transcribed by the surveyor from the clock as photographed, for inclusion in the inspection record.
7:22
